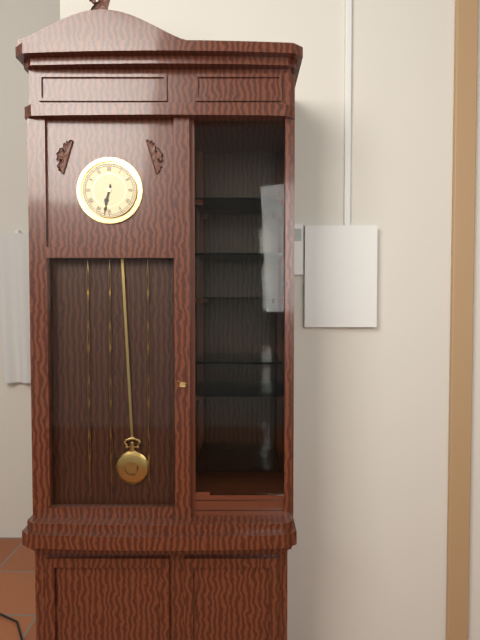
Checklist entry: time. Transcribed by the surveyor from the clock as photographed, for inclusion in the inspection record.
6:32
